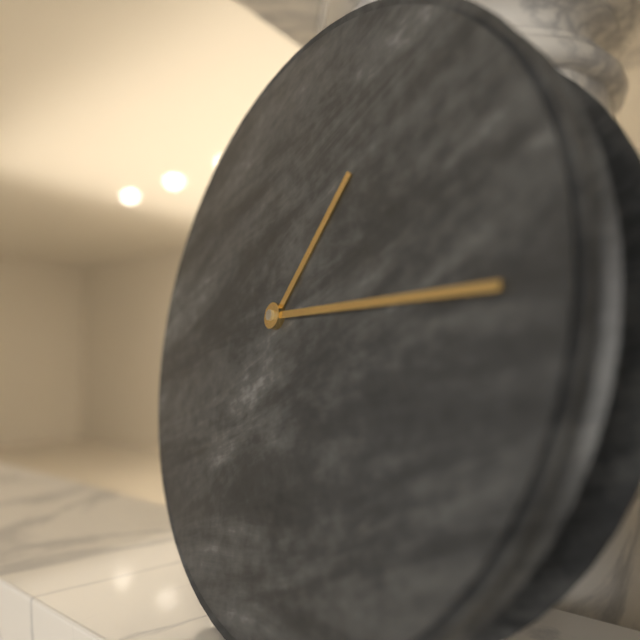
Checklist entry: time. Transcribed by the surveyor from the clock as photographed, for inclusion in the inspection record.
1:15
